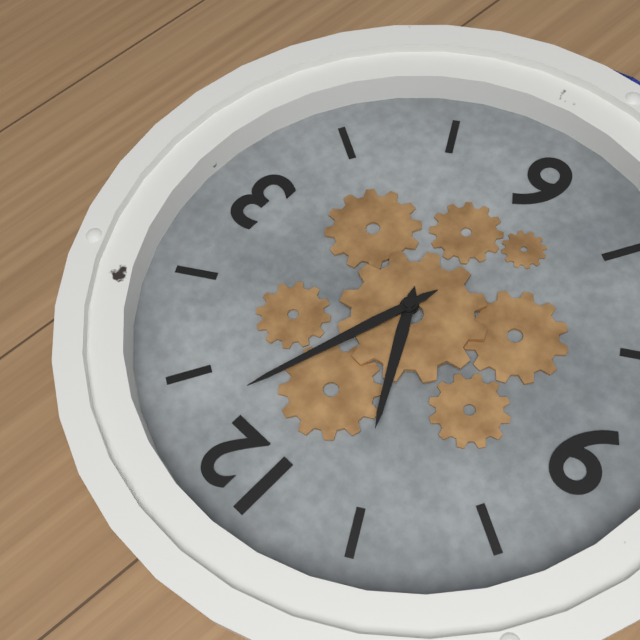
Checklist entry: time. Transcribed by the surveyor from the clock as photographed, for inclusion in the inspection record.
11:03
